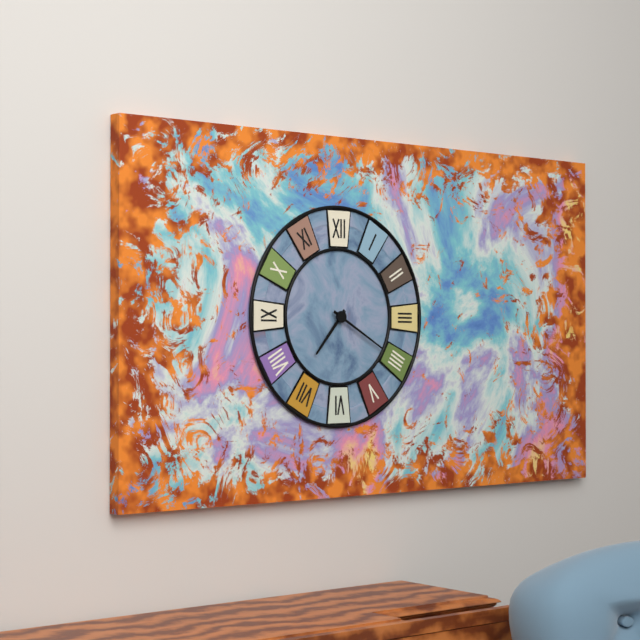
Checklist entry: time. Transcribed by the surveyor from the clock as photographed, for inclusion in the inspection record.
7:20
